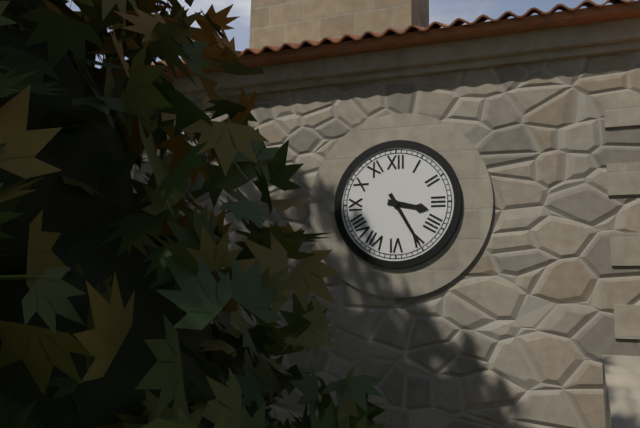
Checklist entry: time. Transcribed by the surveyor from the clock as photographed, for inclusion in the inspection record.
3:25
